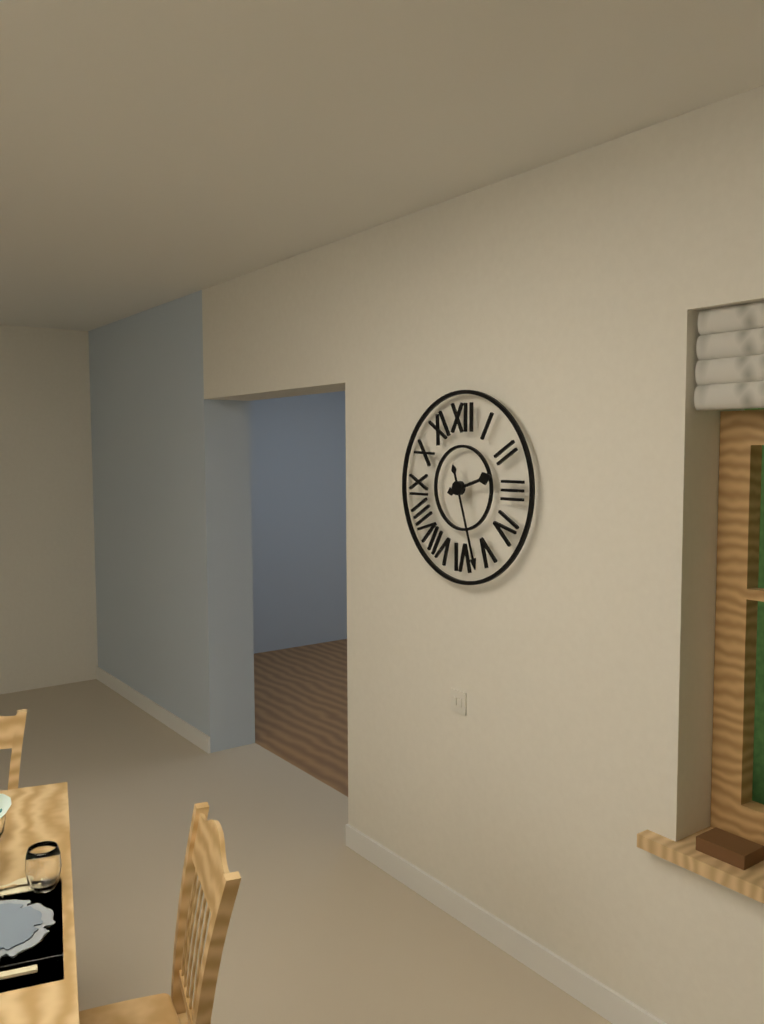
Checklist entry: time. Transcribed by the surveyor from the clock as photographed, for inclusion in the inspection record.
2:27
